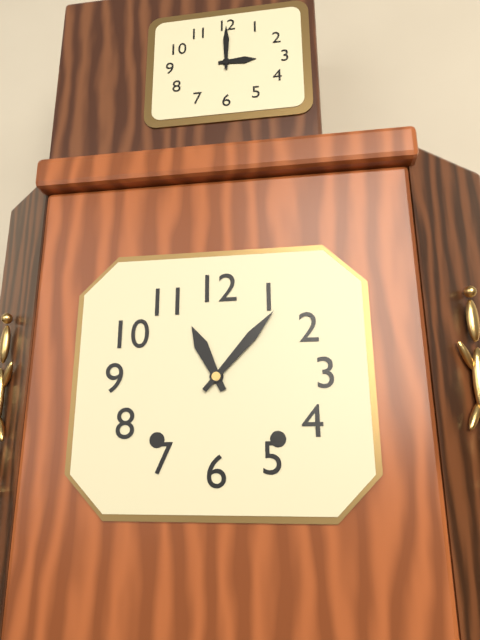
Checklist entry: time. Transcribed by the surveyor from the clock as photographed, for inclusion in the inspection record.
11:07
